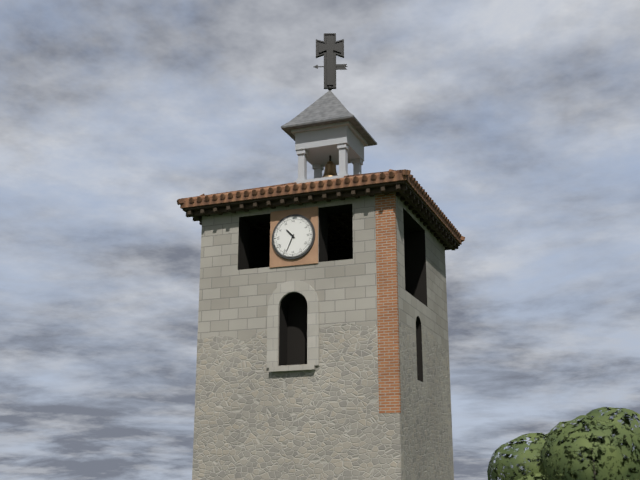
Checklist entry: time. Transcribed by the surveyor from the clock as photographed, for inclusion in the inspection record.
10:34
